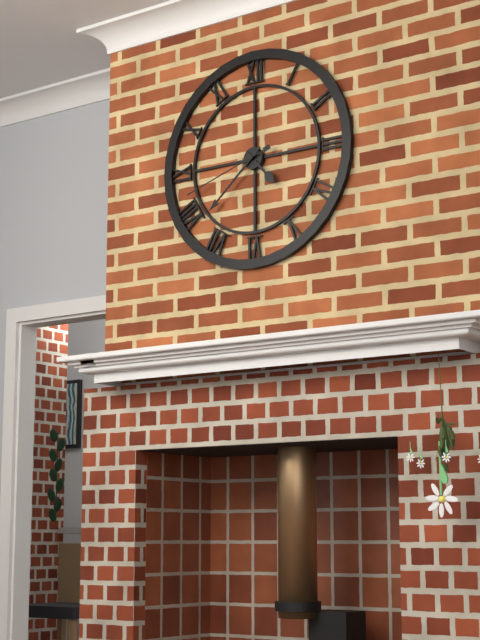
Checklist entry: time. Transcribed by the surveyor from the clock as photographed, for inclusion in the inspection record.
4:38:42
